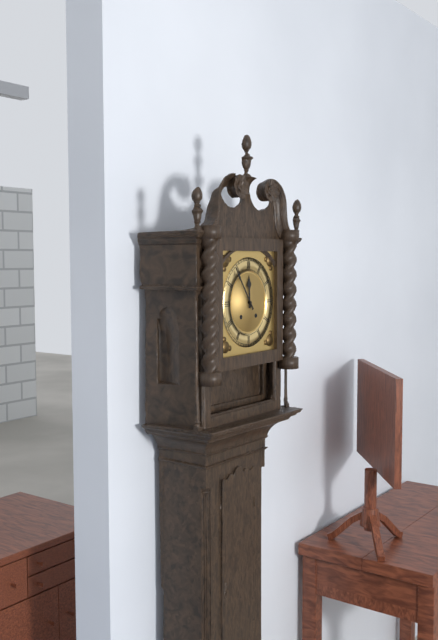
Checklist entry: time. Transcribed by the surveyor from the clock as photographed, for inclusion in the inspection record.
11:54
